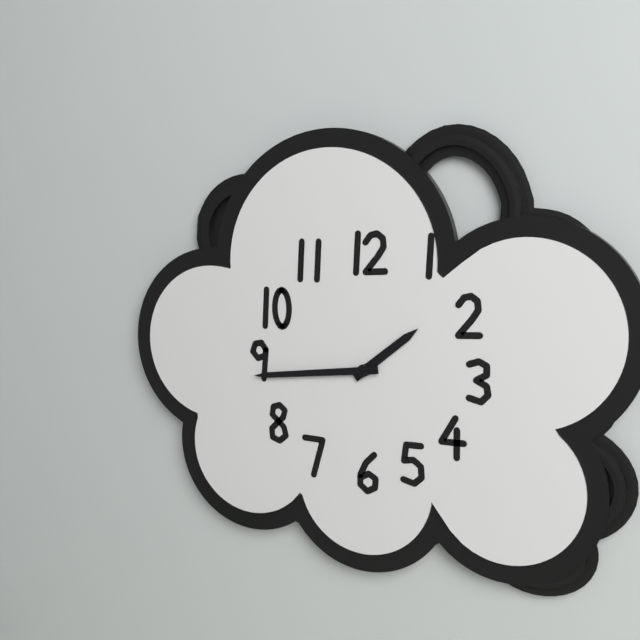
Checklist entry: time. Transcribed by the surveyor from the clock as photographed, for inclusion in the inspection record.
1:44
